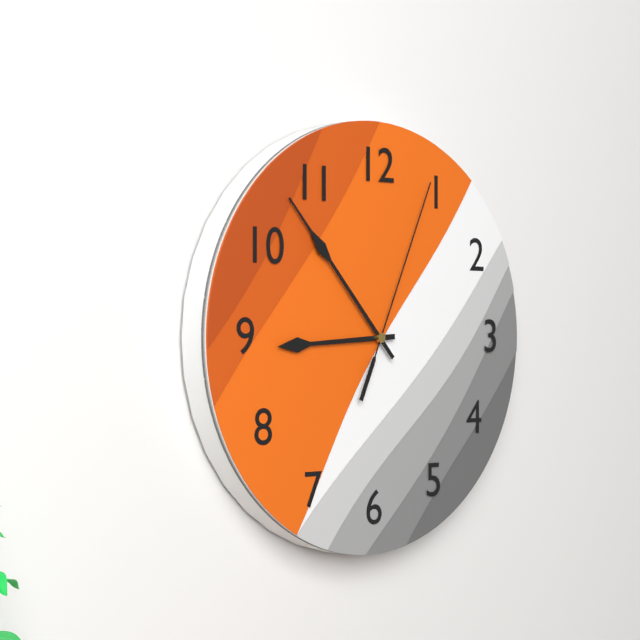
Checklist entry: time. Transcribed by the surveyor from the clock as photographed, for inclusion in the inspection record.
8:53:04
